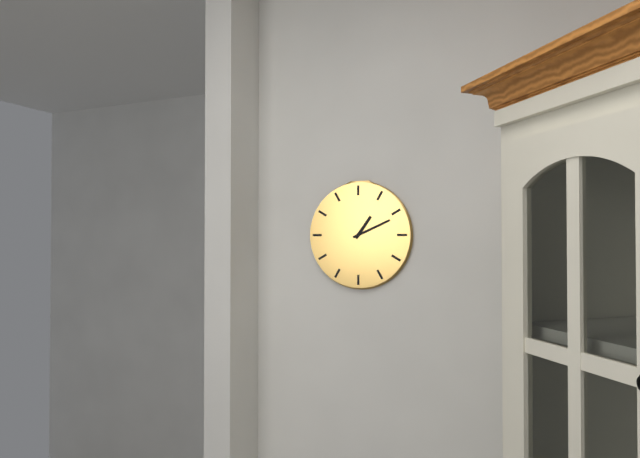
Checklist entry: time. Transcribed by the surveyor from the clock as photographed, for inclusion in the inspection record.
1:11
